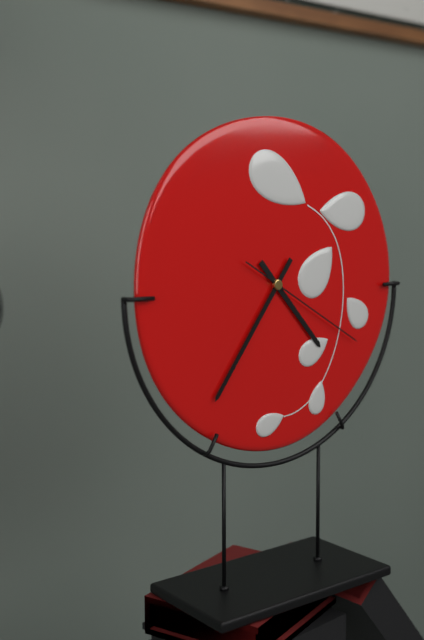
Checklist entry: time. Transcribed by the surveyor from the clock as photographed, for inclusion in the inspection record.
4:36:20
